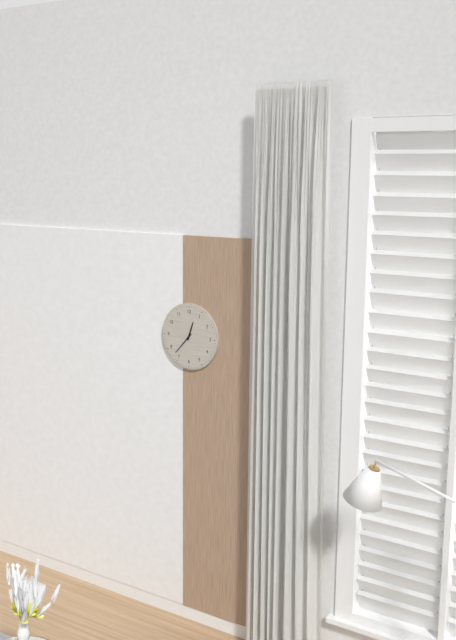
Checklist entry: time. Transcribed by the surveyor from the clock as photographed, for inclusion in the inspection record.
12:37
